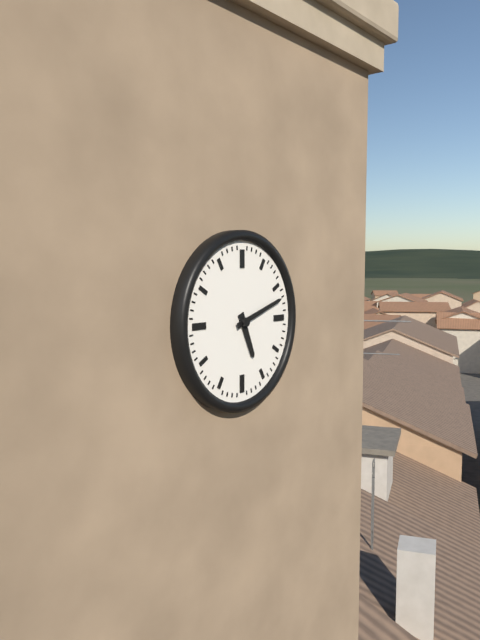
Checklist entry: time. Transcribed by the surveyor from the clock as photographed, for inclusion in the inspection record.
5:12
